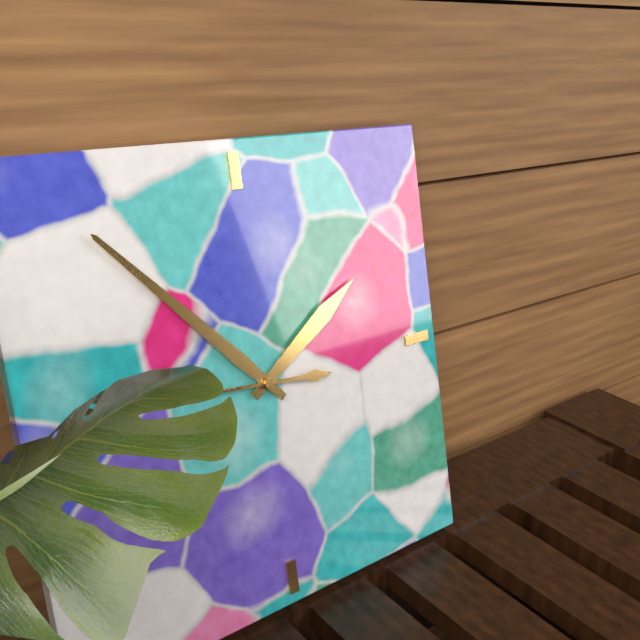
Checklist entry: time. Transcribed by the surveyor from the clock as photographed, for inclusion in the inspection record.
1:53
